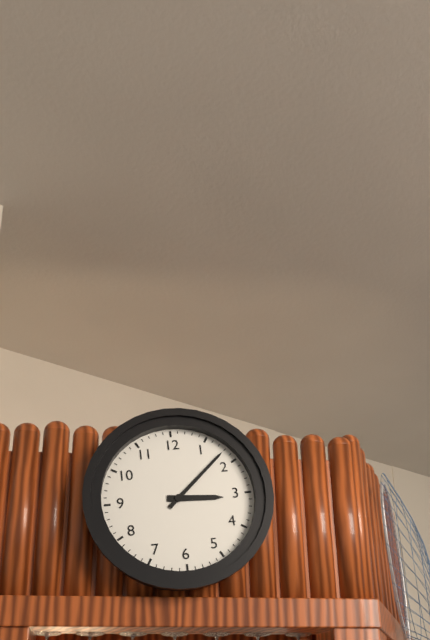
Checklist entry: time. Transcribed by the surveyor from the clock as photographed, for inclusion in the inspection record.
3:08
